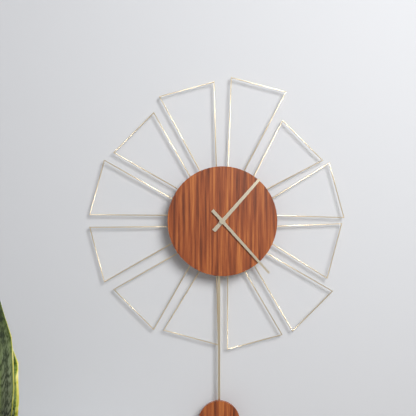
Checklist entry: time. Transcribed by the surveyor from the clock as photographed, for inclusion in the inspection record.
1:23
